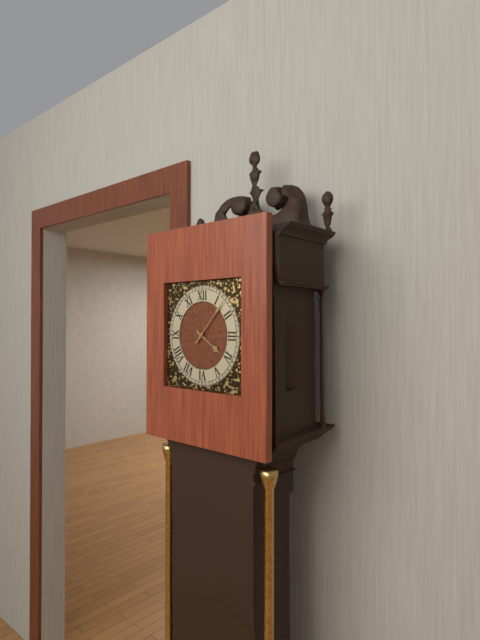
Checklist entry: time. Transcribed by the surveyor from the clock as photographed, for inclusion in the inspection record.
4:07
